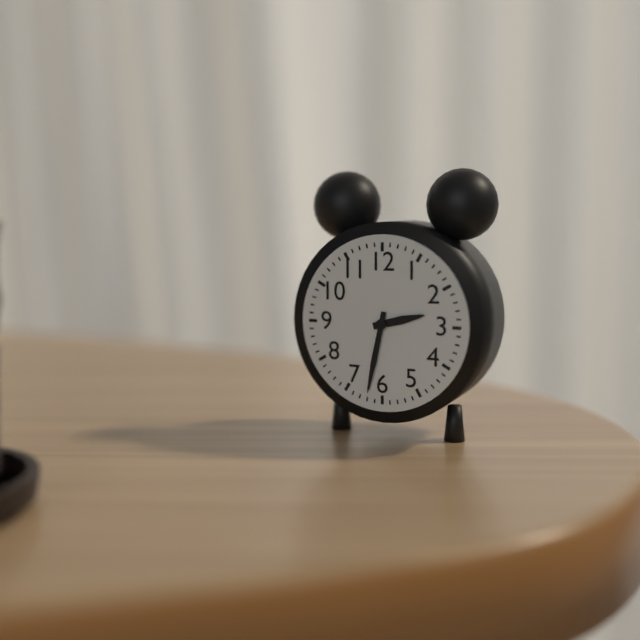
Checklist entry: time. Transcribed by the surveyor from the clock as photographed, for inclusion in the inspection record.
2:32
